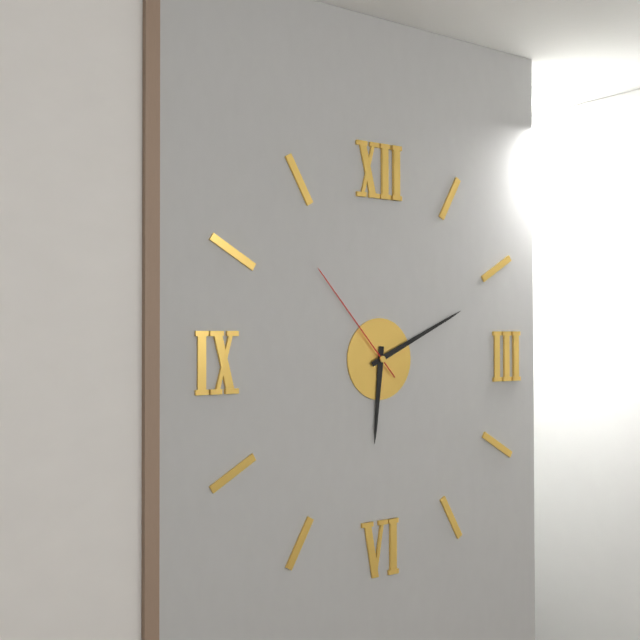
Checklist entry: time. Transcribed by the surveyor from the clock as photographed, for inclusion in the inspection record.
6:11:53
